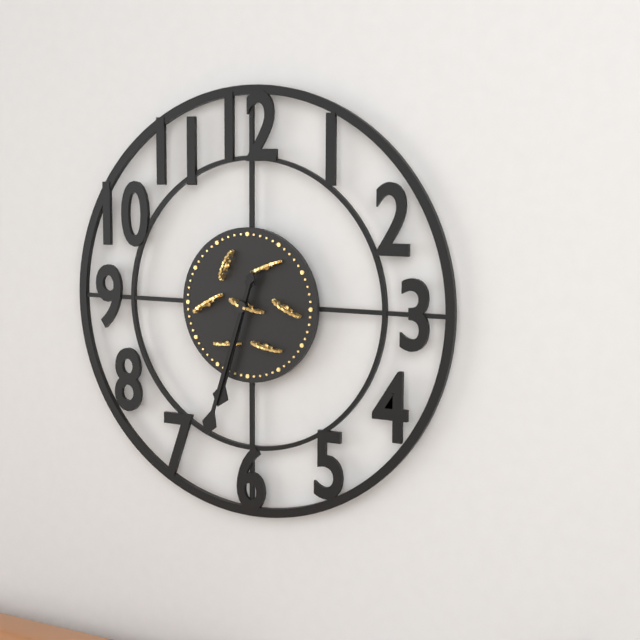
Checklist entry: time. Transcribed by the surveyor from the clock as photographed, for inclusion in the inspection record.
6:33
